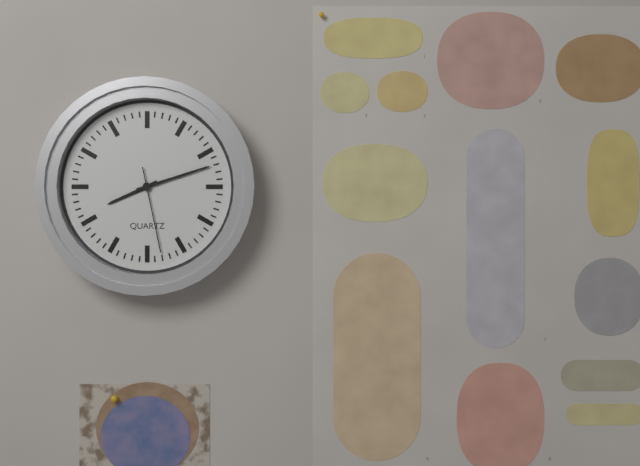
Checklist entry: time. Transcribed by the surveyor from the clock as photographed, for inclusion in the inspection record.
8:12:28
